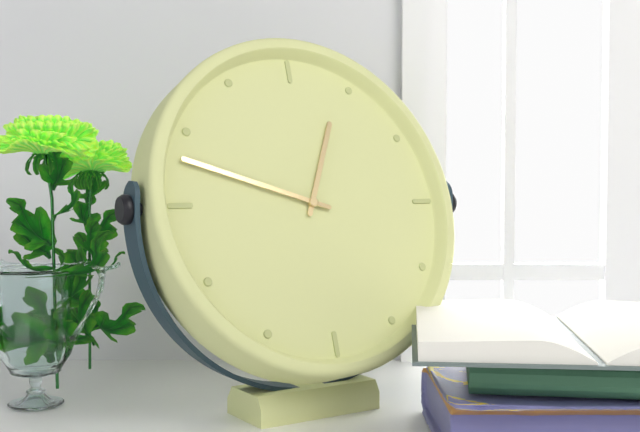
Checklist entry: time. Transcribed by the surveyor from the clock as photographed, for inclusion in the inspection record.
12:48
